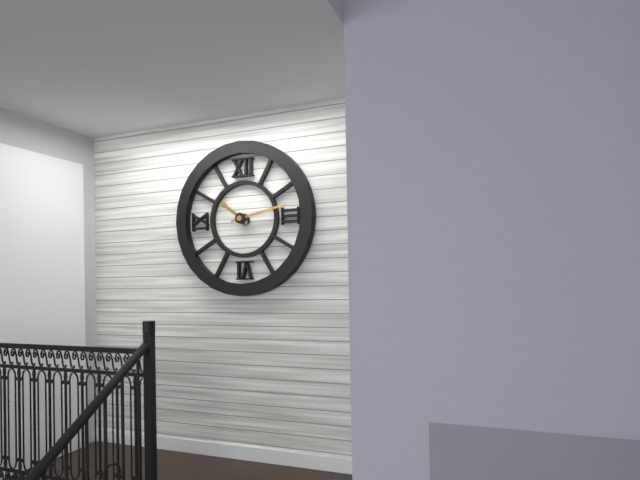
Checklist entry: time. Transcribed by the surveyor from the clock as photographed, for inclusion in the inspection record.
10:13
